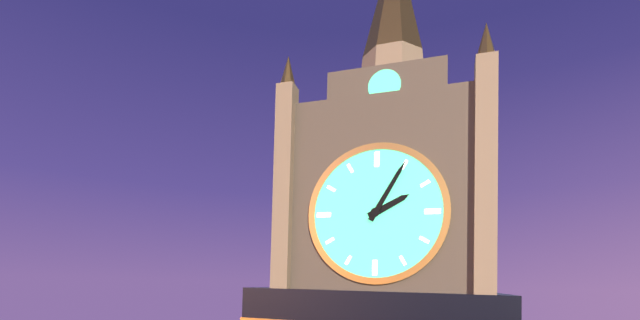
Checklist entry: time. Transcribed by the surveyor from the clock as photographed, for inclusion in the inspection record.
2:05
